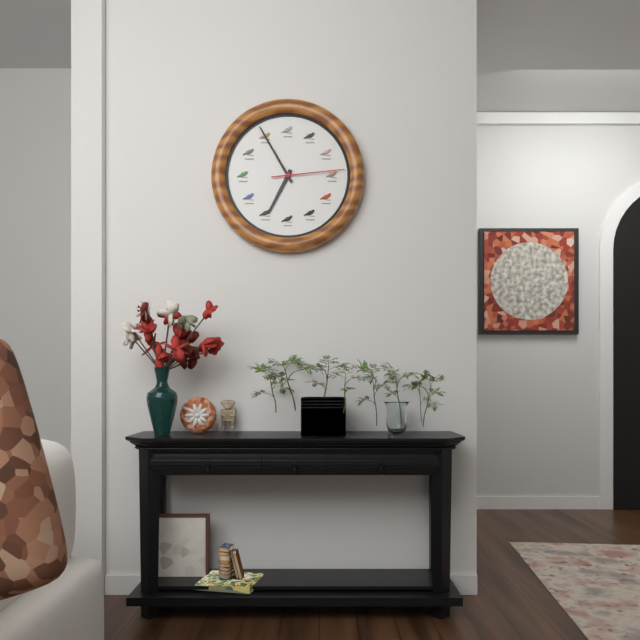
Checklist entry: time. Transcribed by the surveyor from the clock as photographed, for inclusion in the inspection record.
6:55:14
